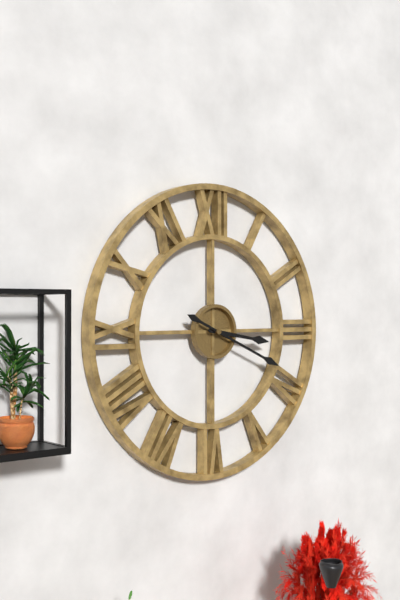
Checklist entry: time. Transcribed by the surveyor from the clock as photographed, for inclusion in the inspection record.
3:19
